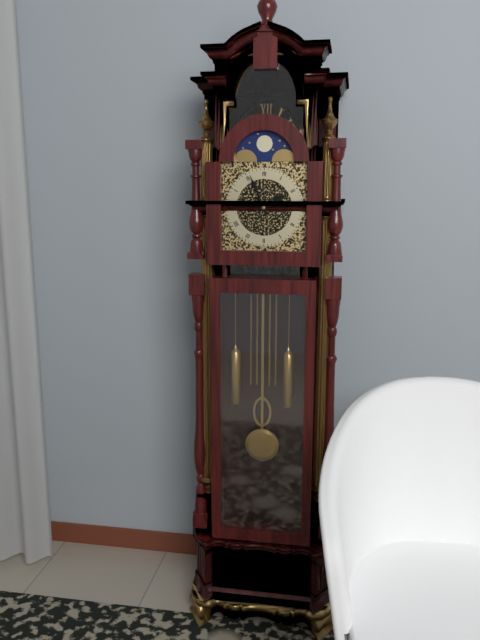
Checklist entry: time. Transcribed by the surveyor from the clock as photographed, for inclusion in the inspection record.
1:56
